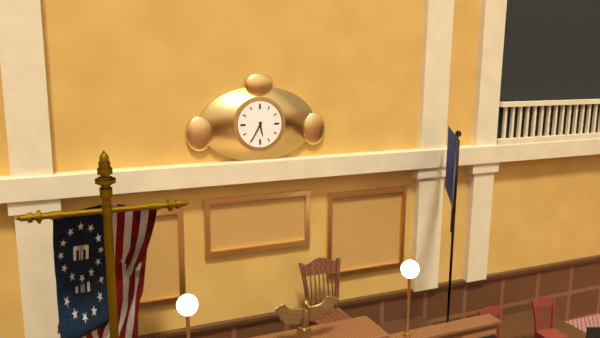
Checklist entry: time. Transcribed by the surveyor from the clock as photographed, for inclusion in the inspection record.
5:35
